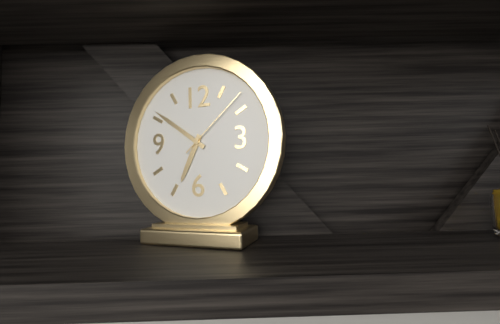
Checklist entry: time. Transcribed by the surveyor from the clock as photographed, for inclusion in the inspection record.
6:51:08
